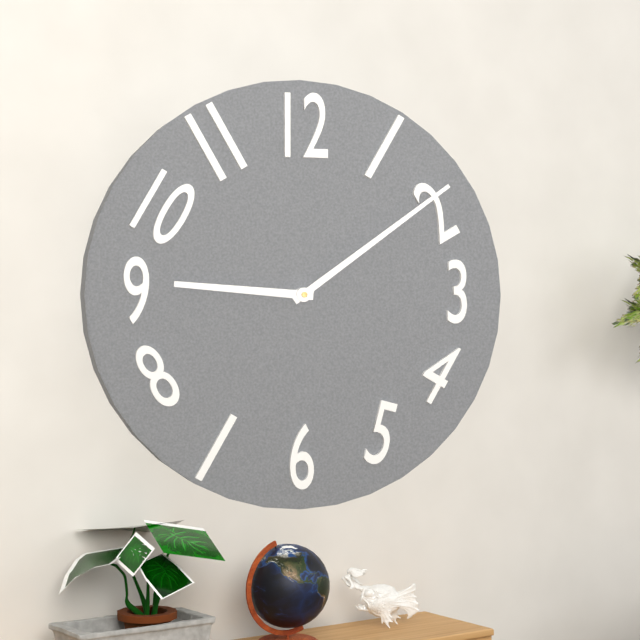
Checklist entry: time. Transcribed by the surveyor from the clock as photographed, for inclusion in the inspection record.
9:09
